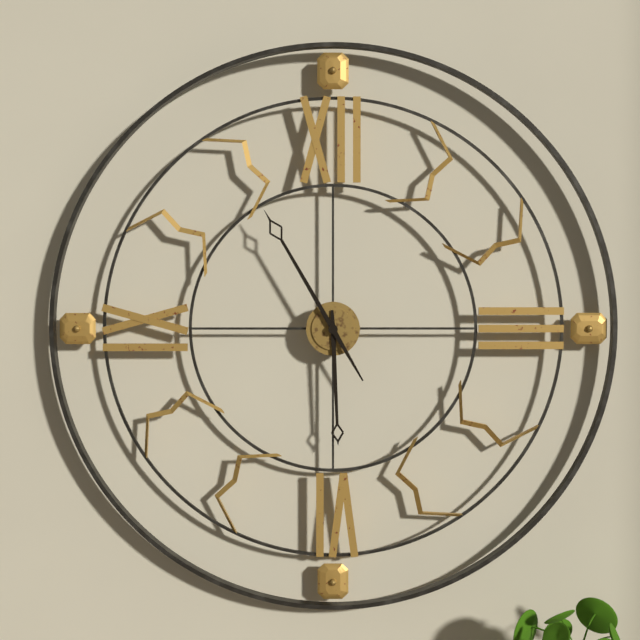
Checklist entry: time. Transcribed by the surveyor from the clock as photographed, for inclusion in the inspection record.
5:55
